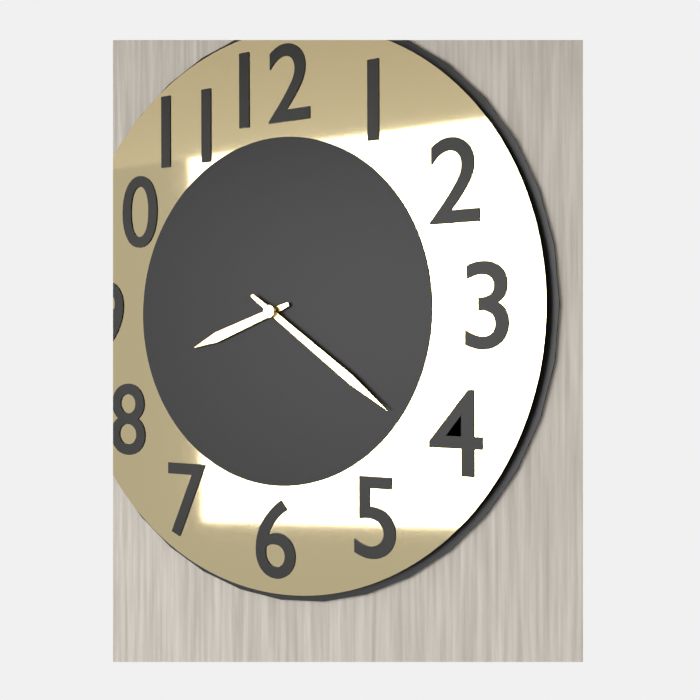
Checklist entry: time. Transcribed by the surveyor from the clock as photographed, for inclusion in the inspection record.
8:21
